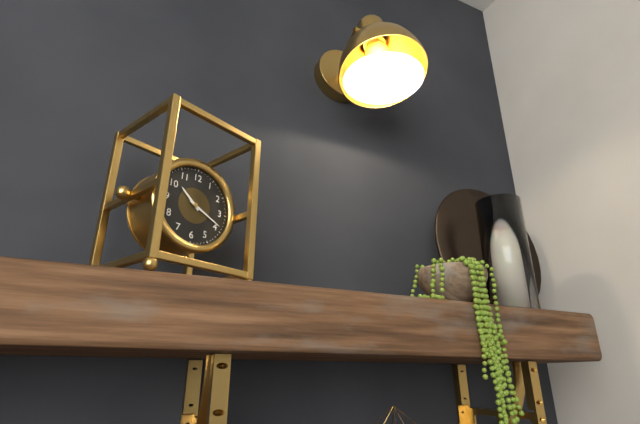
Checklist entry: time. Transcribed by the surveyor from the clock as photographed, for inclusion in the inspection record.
10:19
